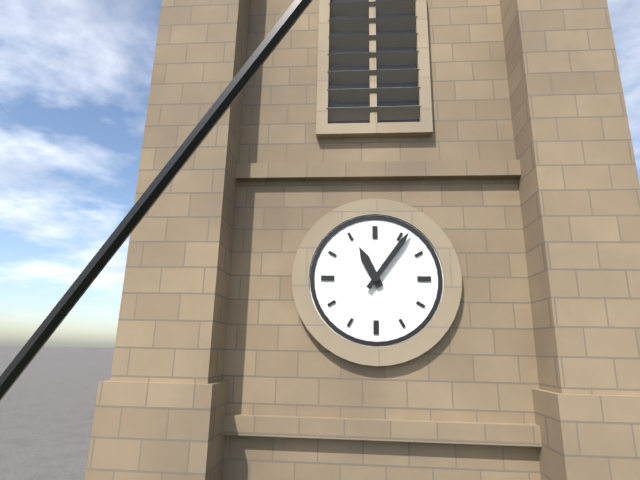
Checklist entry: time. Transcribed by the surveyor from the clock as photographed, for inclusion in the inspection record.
11:06
